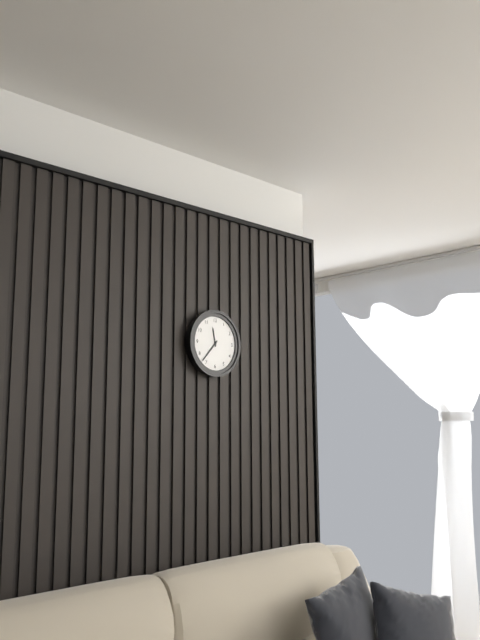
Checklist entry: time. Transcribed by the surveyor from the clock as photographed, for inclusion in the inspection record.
11:37
